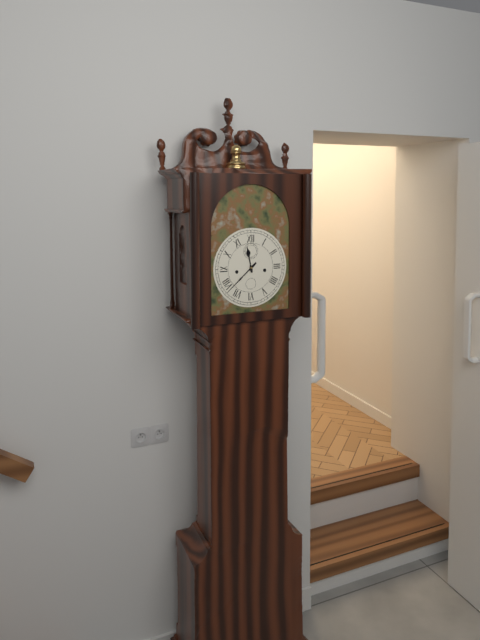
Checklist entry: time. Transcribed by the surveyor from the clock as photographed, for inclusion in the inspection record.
11:38
